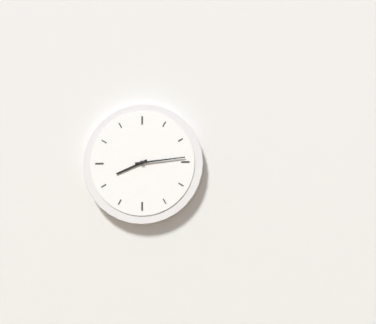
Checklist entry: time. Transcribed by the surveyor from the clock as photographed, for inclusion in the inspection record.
8:14
